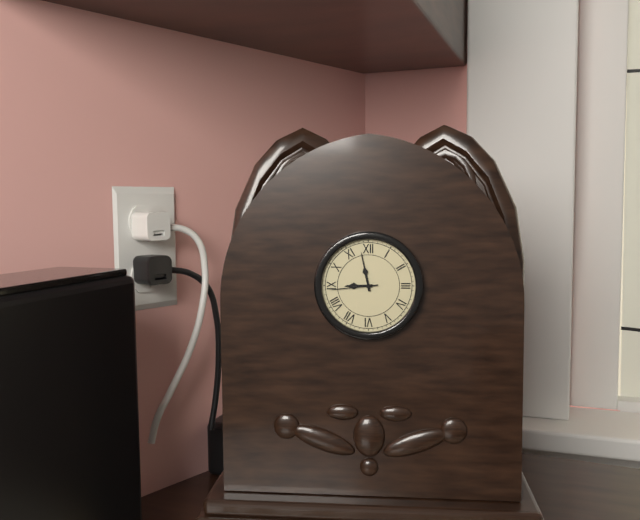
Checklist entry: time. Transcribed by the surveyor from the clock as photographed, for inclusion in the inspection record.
8:58
